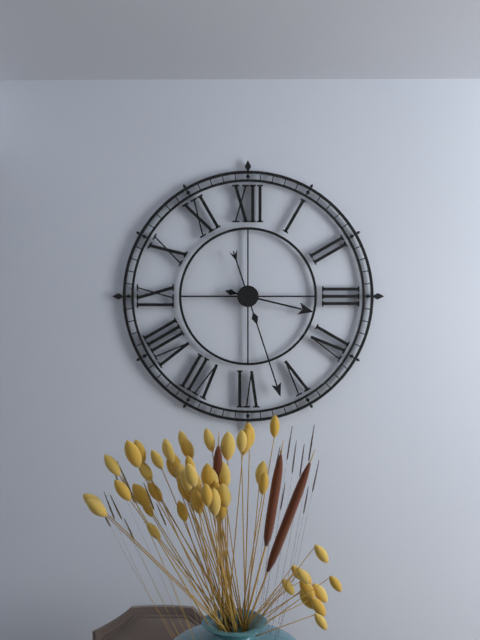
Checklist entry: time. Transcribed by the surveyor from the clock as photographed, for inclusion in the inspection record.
3:27
